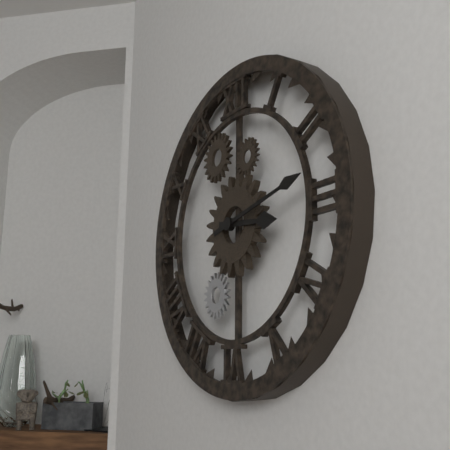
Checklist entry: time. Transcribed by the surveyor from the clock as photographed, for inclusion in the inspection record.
3:13
